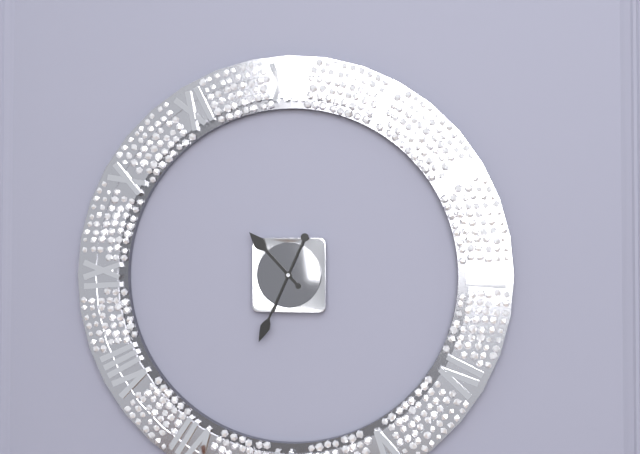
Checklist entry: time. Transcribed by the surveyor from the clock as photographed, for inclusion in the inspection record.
10:34
